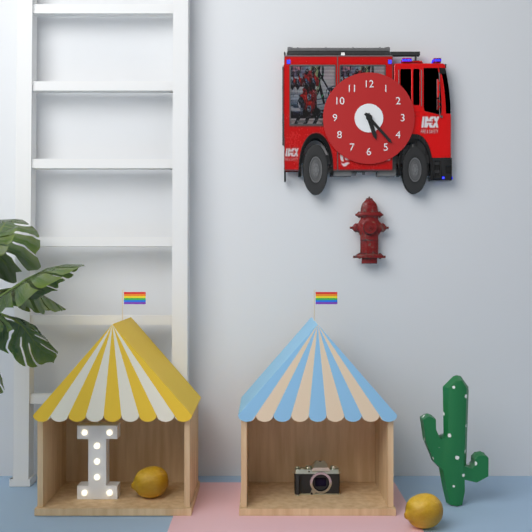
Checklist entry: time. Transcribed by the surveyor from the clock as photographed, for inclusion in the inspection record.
5:23
